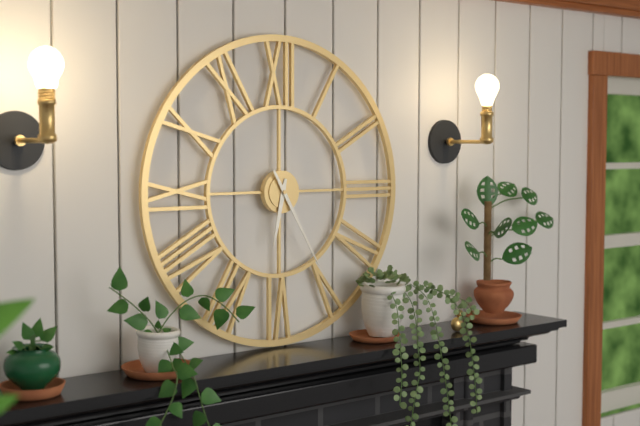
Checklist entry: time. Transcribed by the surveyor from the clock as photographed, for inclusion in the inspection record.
6:25
